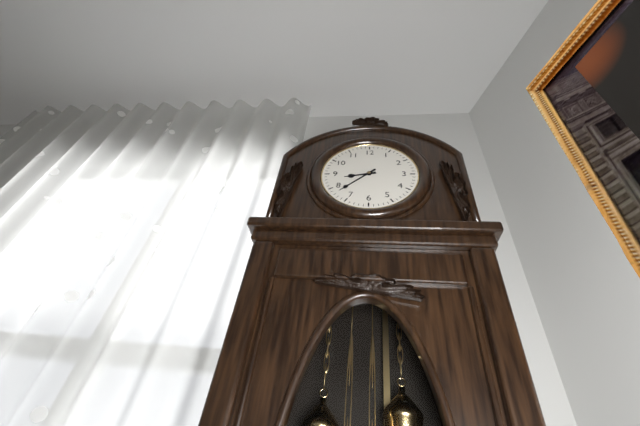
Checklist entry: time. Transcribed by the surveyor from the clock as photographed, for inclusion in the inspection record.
8:38
